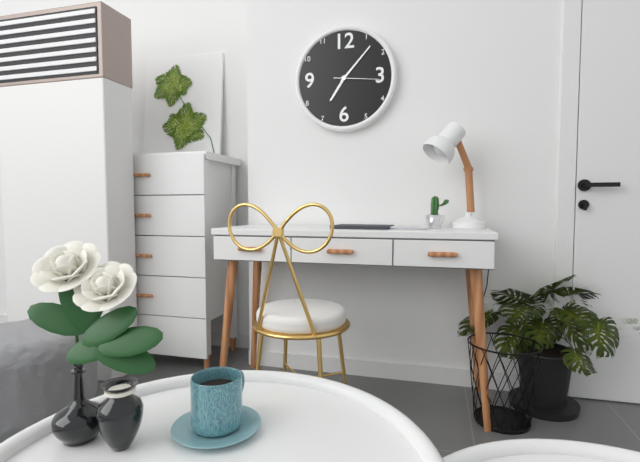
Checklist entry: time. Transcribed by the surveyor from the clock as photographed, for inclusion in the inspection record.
7:07
